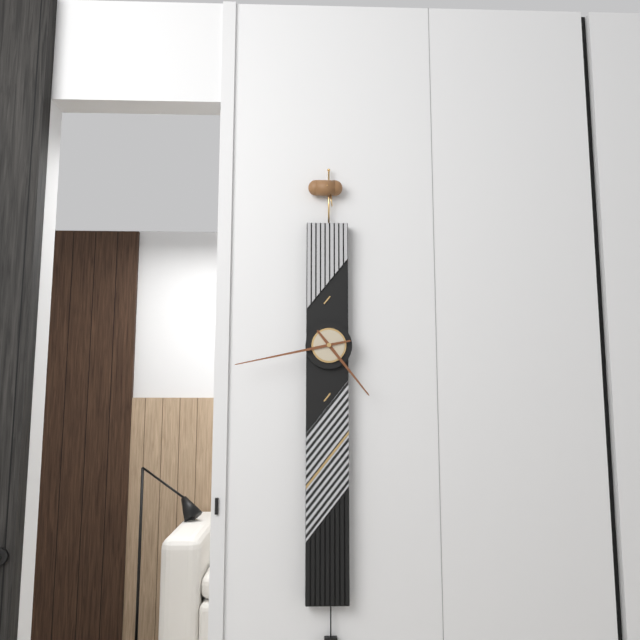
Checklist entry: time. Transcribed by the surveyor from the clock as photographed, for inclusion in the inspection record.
4:43
